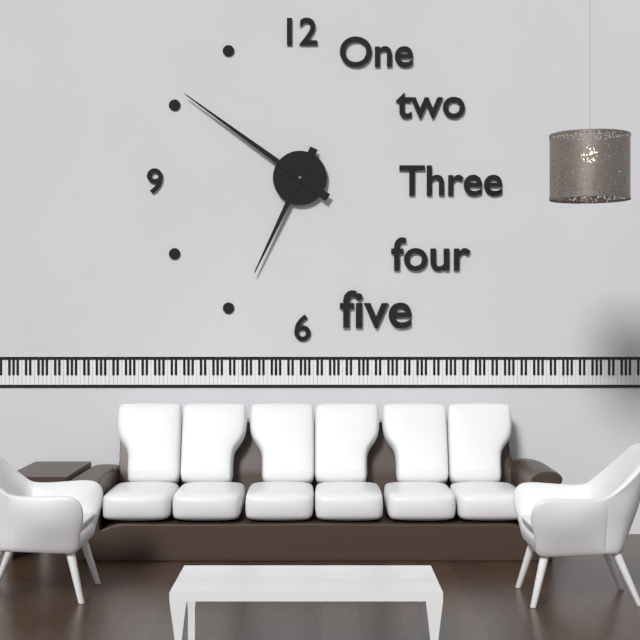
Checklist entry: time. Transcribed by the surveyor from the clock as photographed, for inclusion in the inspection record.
6:51
